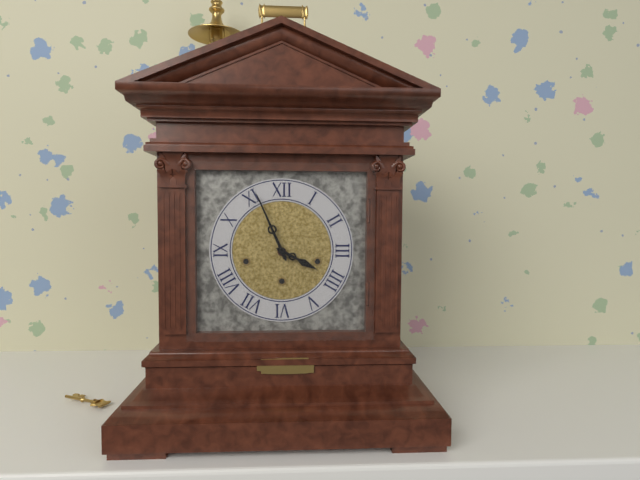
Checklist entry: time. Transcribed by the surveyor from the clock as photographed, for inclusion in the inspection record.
3:56
